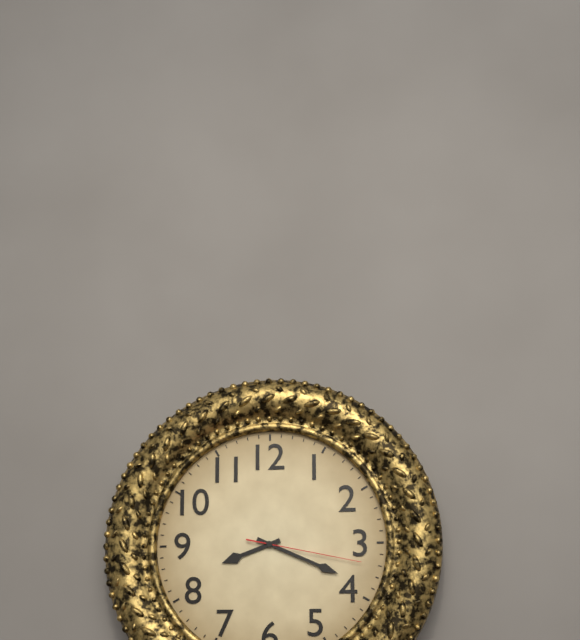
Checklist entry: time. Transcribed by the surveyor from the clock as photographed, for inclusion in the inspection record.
8:19:17
